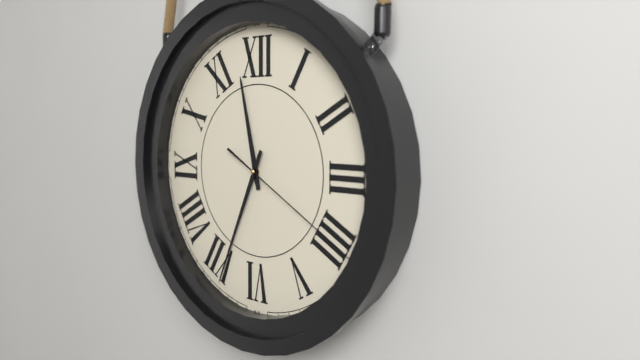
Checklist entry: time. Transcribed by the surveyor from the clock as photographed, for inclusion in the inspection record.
11:34:20
